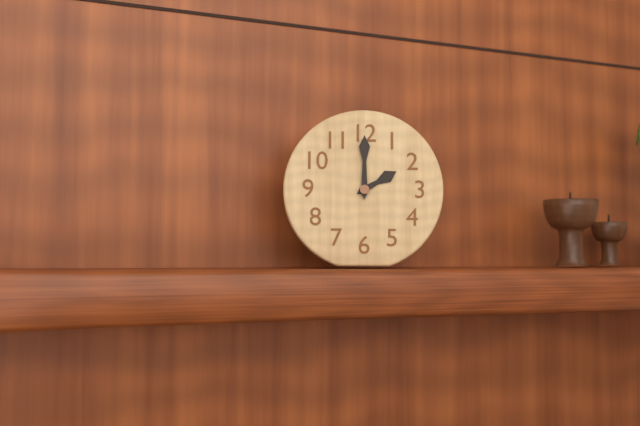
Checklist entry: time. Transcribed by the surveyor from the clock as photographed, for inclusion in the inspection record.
2:00
